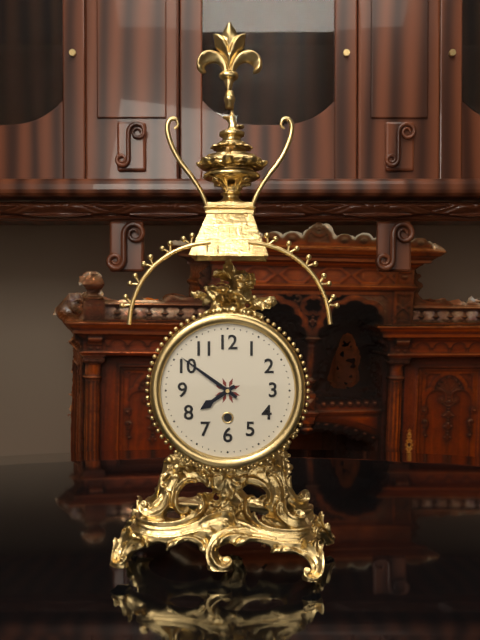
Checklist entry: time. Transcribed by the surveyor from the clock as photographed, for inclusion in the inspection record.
7:51
